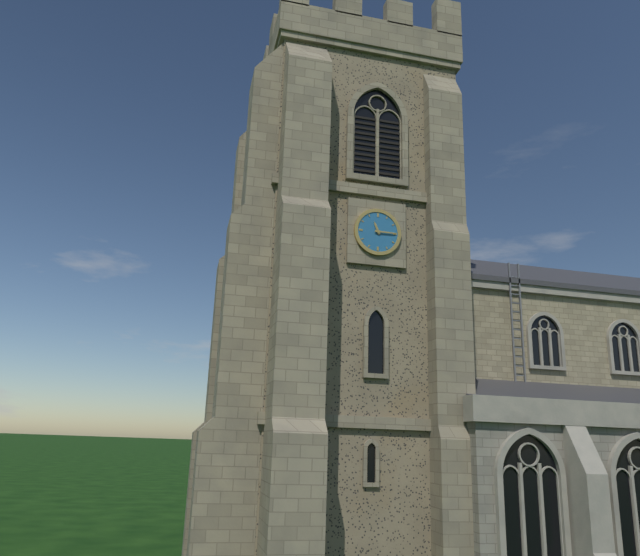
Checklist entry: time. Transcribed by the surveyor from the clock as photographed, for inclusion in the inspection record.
11:15
